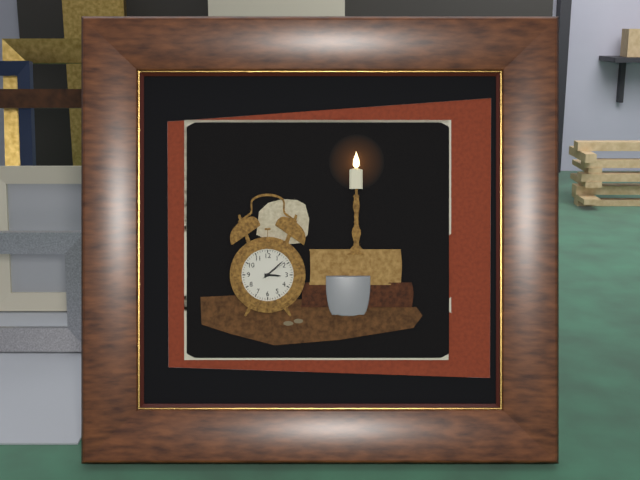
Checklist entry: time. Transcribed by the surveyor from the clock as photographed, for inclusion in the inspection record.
3:08
